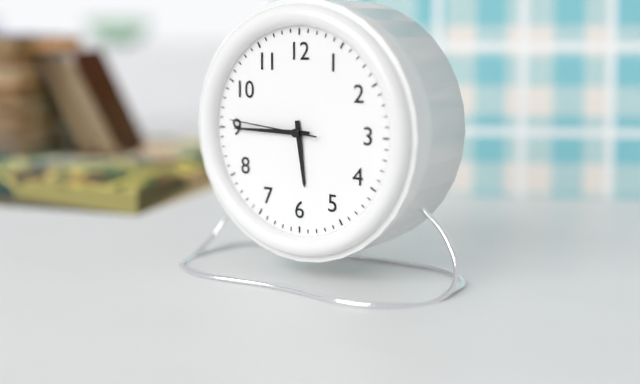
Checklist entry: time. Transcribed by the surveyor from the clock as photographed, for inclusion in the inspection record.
5:45:46
